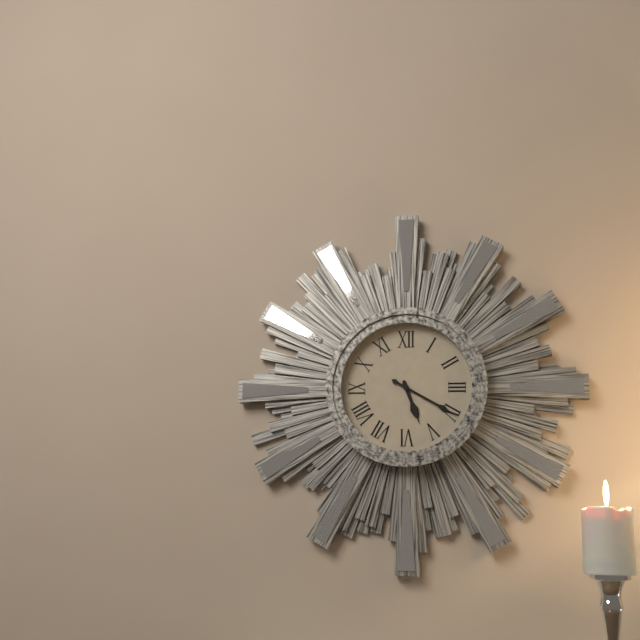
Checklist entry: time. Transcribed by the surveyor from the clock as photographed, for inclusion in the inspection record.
5:20
